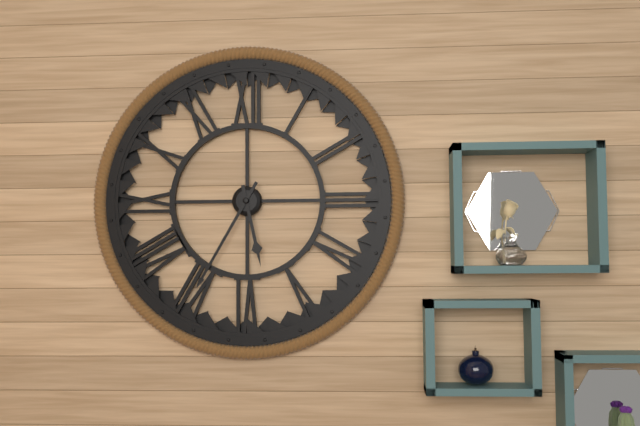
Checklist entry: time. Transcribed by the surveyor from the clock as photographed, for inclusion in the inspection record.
5:35
